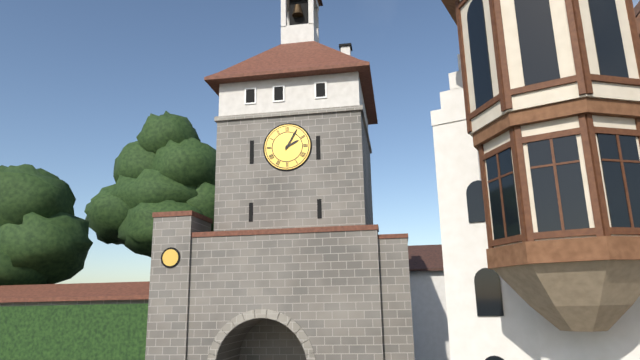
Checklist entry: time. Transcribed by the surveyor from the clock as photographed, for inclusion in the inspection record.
2:05
